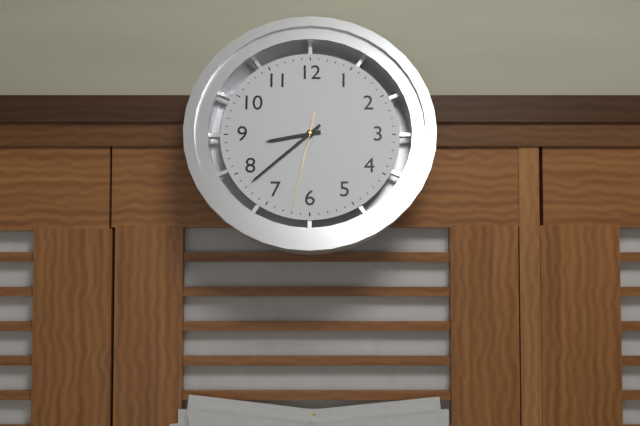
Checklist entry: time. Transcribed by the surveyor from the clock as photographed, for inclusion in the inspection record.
8:38:32
